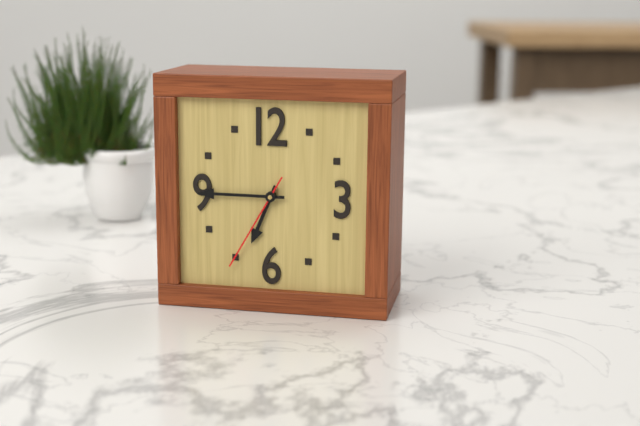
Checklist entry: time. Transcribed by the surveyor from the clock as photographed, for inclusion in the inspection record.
6:45:35
